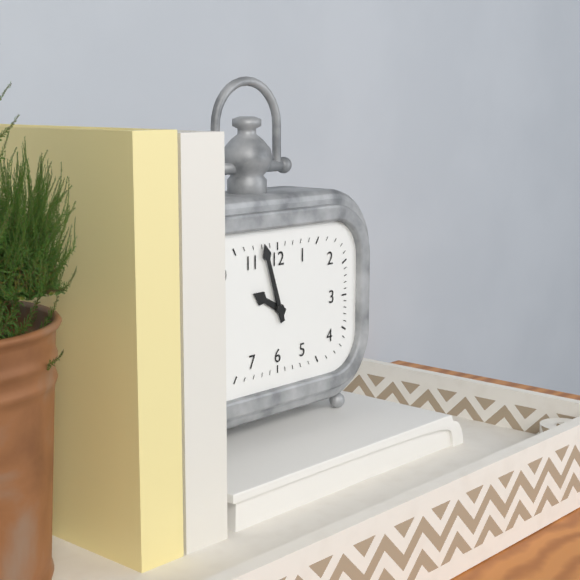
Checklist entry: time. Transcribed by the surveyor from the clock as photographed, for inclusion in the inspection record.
9:57
